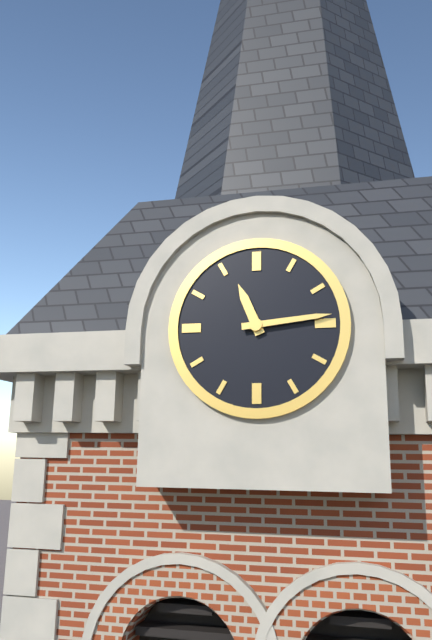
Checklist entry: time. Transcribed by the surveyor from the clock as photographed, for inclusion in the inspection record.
11:14
